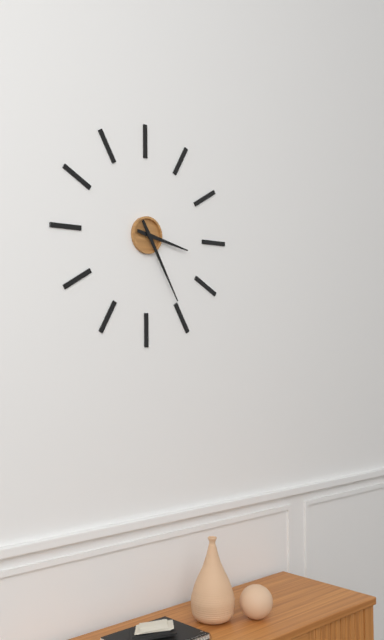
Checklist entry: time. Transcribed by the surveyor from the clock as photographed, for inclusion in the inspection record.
3:25
